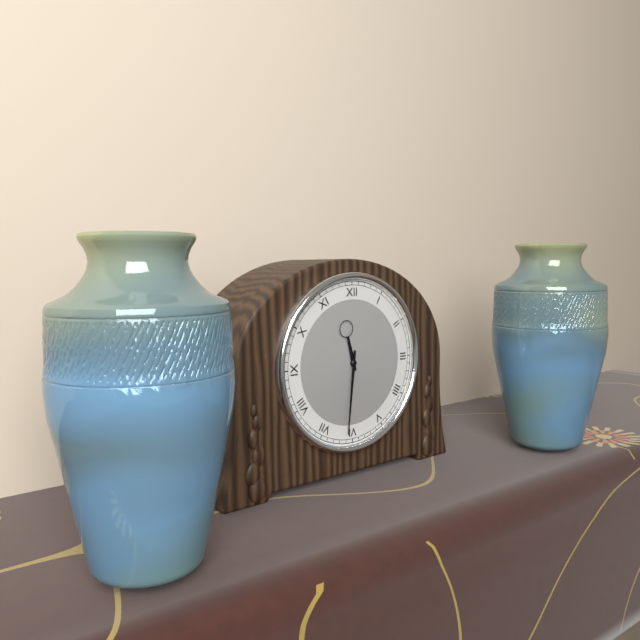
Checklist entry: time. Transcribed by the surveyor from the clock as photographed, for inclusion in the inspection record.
11:31
